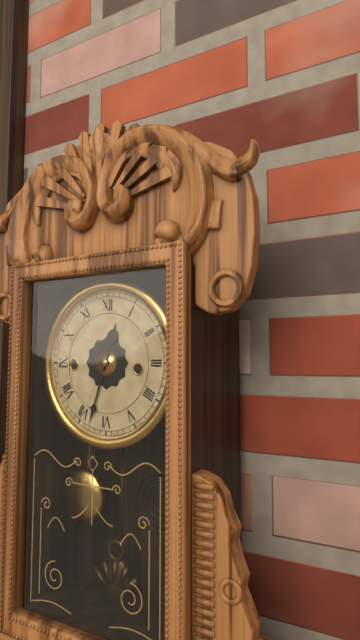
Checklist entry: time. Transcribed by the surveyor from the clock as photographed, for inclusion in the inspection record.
12:33
